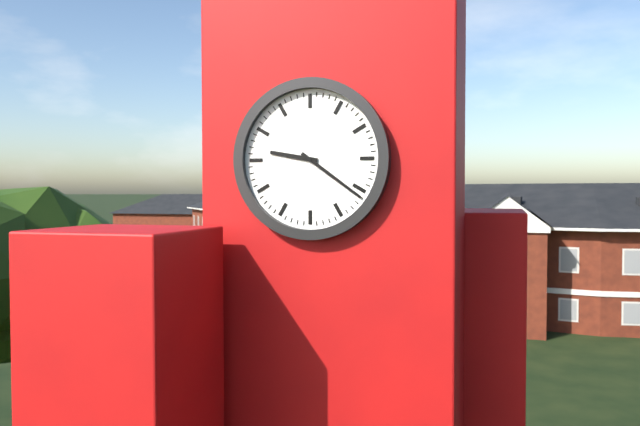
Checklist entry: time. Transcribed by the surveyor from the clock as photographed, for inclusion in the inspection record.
9:21
